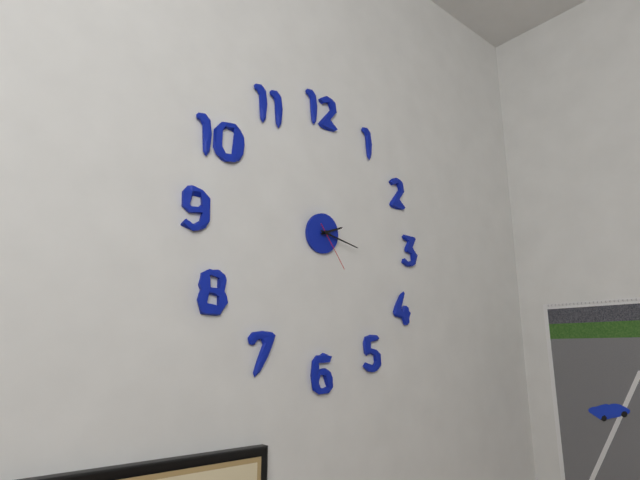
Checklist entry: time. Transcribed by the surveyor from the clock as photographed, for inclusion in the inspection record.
2:17:24
